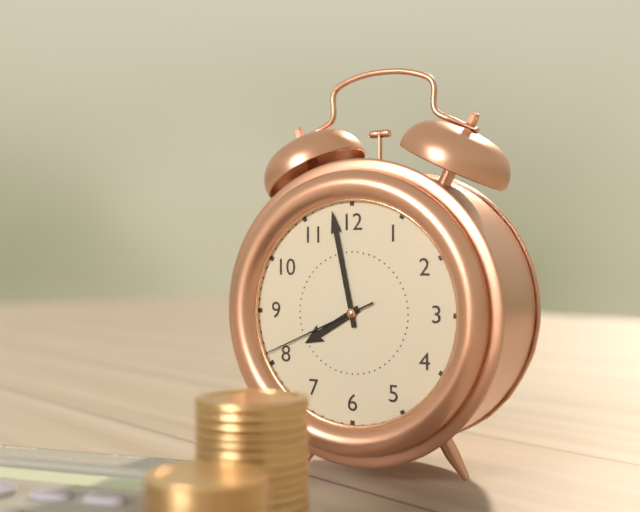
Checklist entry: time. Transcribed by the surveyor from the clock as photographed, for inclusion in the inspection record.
7:58:41
